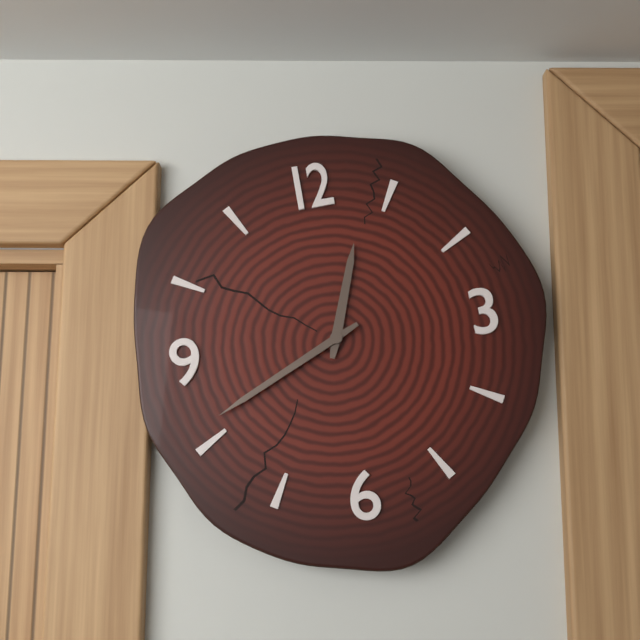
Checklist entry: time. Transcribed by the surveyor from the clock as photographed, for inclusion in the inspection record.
12:41
